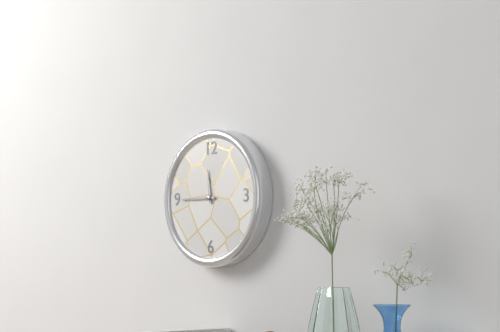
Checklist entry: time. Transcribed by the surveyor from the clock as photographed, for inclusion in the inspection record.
11:45
